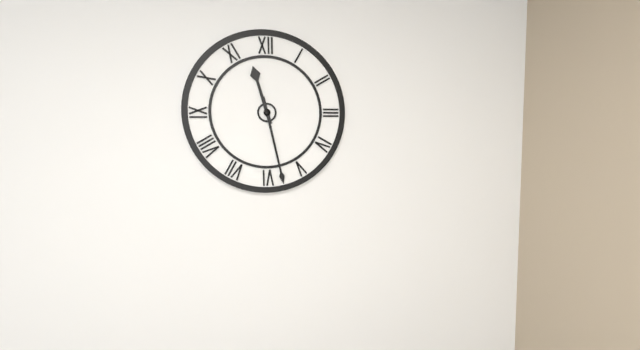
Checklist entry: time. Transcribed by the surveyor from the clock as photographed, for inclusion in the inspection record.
11:28
